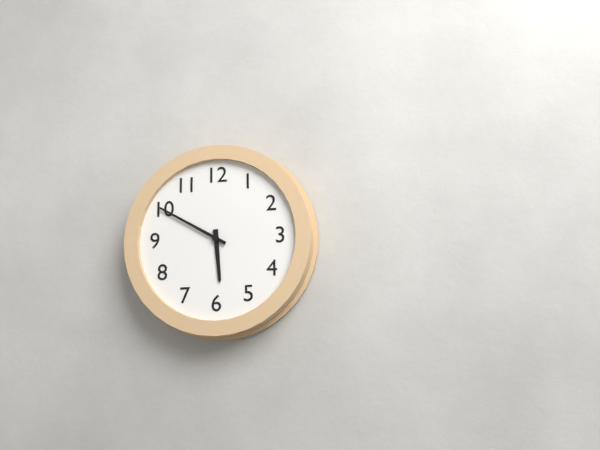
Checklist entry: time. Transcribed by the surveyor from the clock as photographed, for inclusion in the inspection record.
5:50
